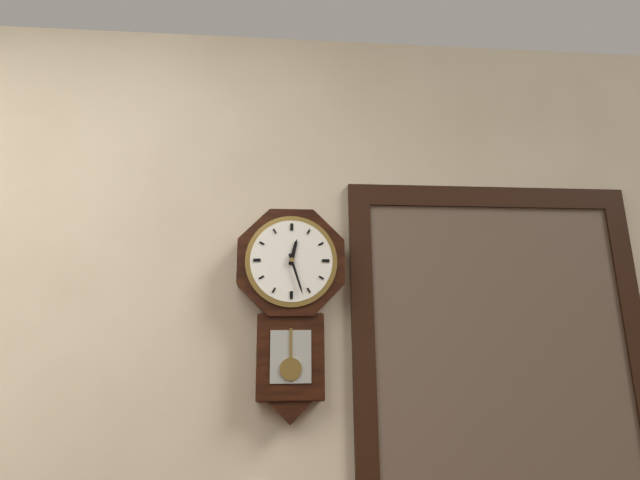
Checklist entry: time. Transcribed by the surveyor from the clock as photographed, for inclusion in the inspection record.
12:27
